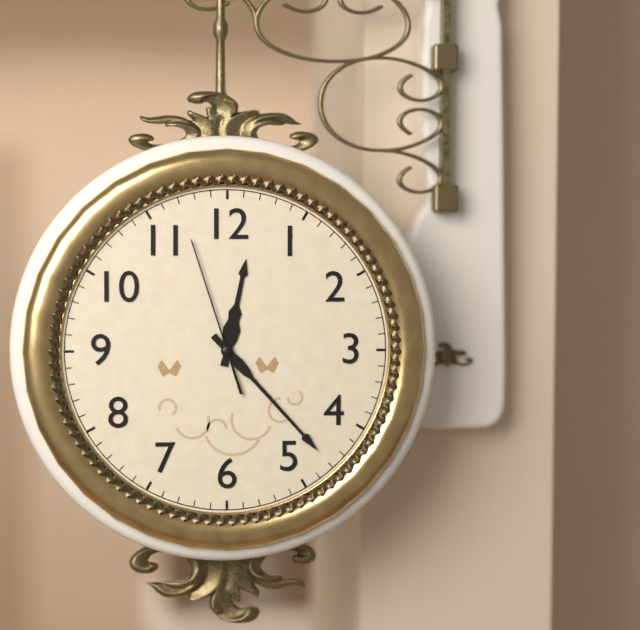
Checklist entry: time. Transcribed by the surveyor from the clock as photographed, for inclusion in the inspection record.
12:23:57
